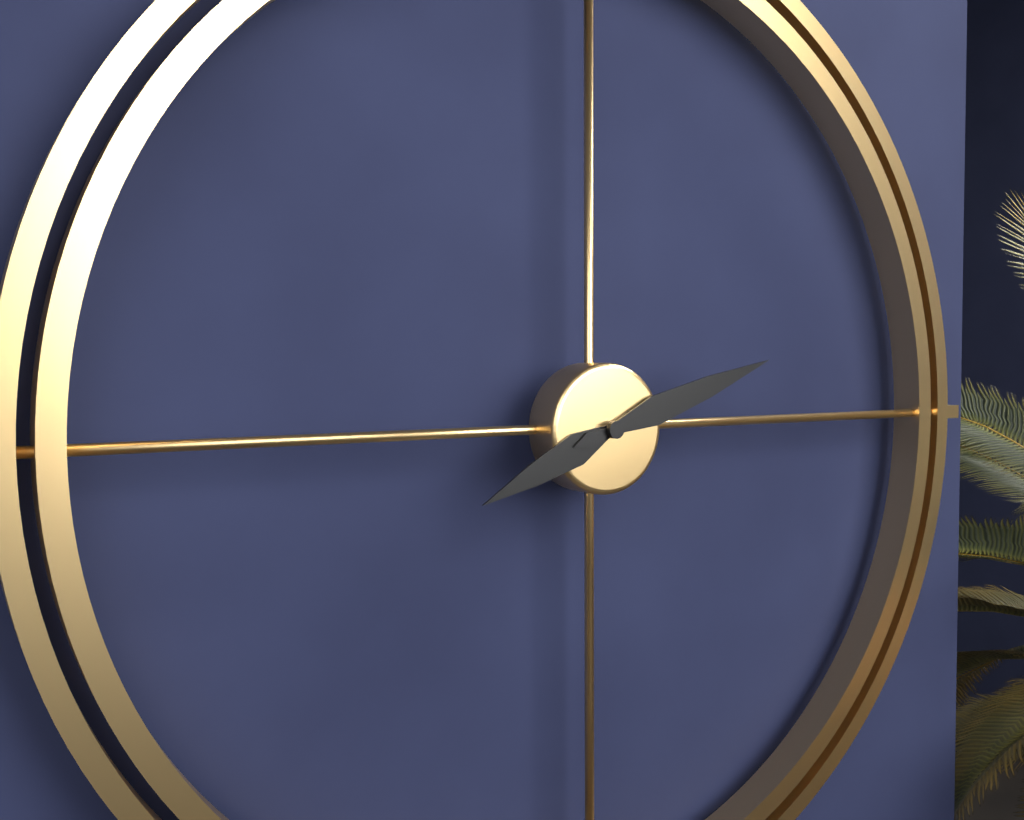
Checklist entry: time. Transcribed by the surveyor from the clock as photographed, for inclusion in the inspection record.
8:12
